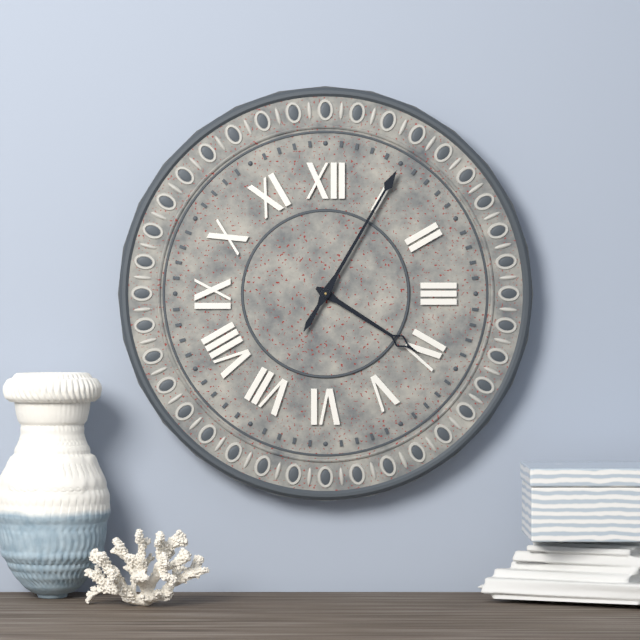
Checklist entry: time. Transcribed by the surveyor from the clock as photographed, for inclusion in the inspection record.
4:05
